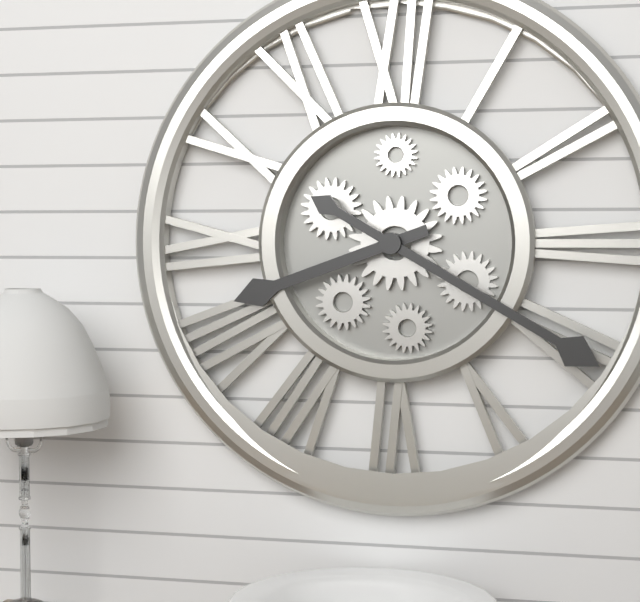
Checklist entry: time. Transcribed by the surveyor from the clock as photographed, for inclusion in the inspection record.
8:20
